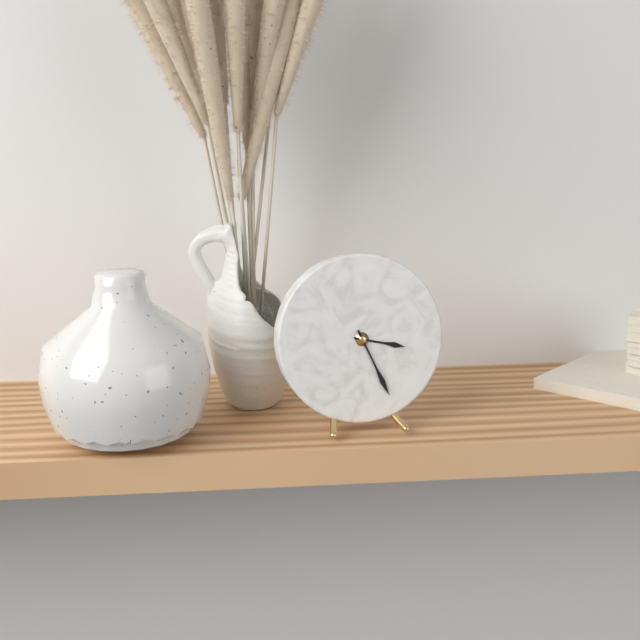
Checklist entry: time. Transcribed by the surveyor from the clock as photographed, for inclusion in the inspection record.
3:26
